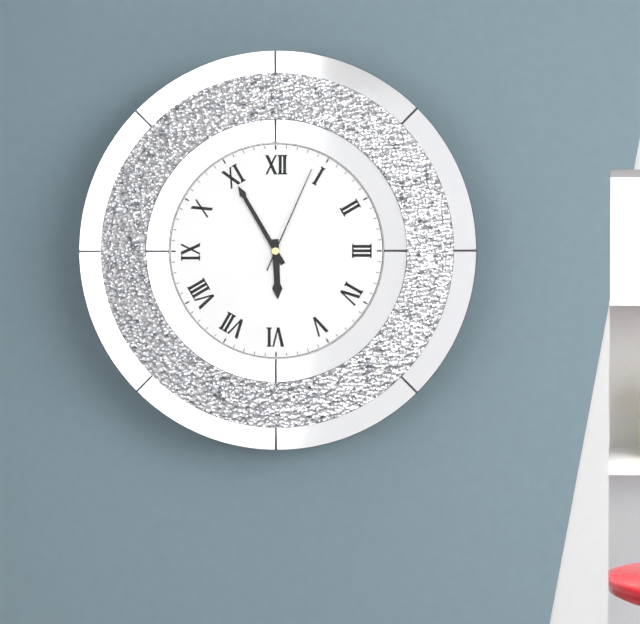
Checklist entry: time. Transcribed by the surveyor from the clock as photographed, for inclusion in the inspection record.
5:55:04
